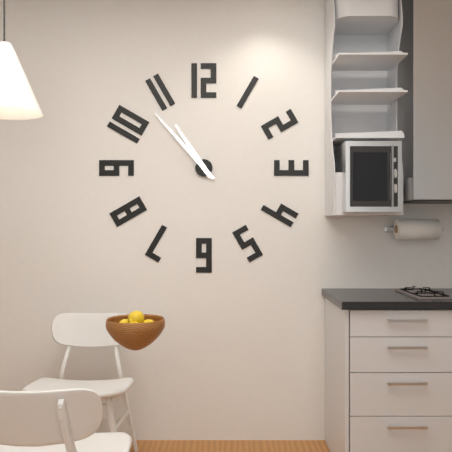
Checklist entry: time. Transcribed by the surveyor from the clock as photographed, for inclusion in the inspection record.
10:53
